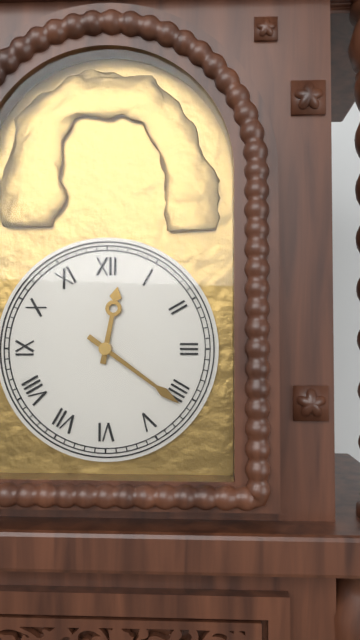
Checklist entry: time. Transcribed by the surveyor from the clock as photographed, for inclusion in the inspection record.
12:21
